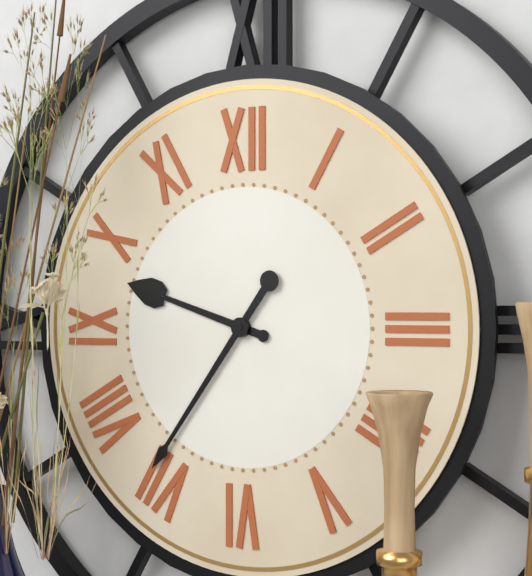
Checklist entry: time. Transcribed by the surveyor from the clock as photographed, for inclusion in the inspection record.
9:36
